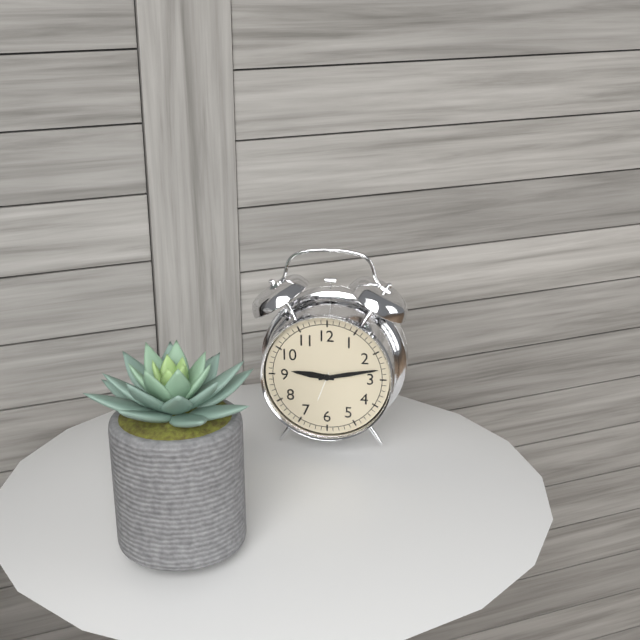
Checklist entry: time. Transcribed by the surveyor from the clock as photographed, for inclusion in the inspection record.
9:13
